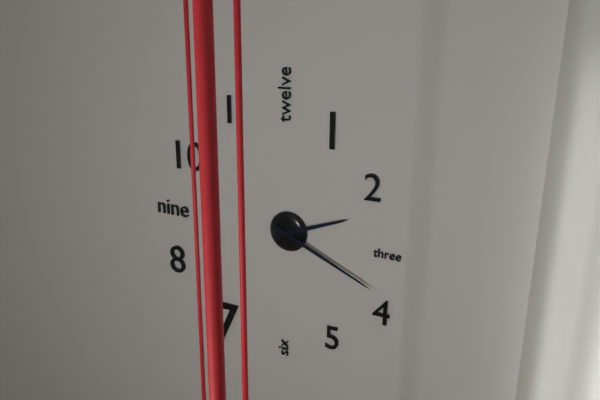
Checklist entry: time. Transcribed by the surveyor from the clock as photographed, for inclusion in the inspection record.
2:19
